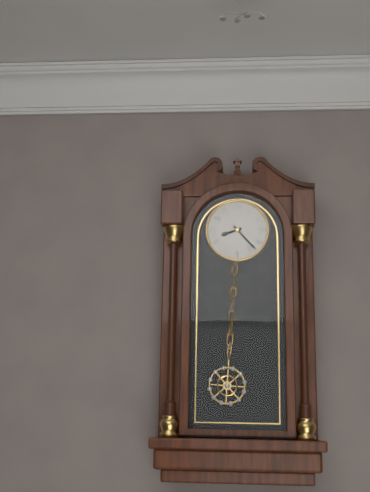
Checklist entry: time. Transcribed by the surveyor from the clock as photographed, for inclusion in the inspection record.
8:23
